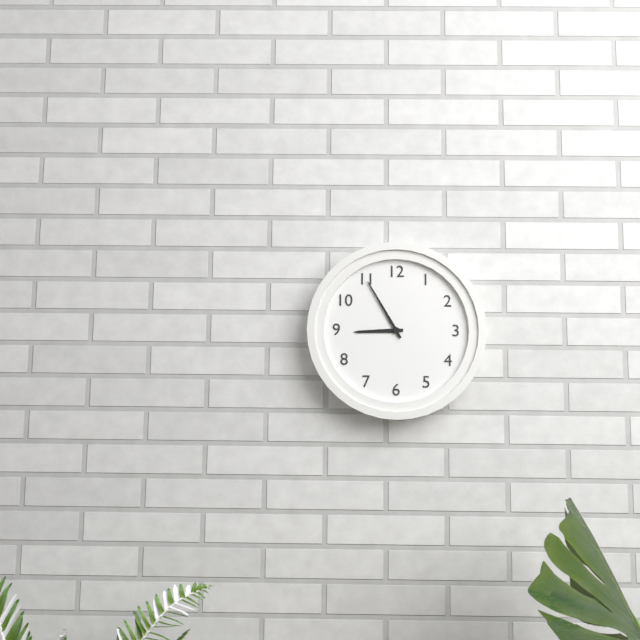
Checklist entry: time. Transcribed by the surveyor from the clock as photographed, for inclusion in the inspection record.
8:55
